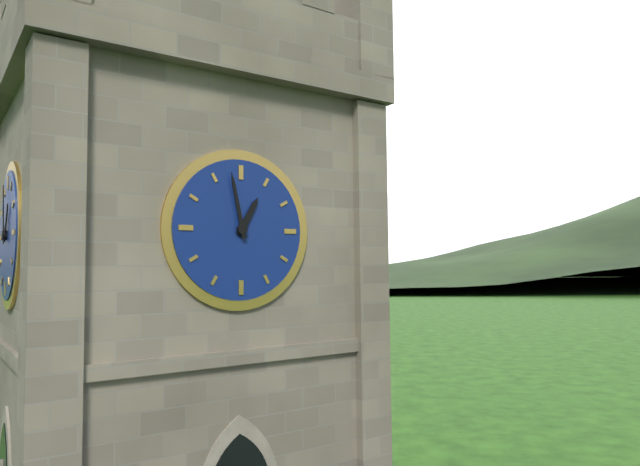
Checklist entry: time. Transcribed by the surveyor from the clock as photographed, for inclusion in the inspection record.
12:58
